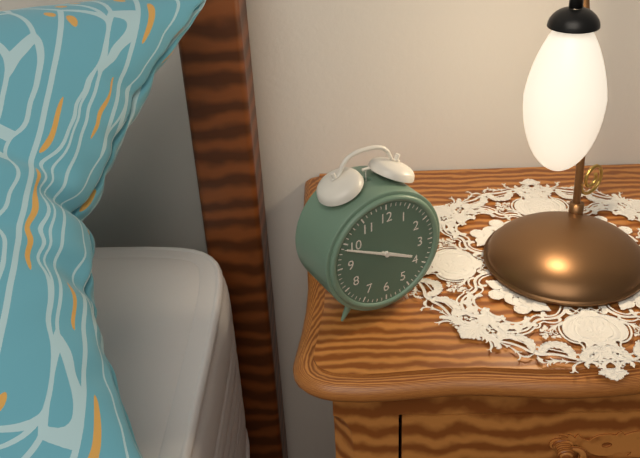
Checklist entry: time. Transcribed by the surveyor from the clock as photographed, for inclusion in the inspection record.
3:49:49
